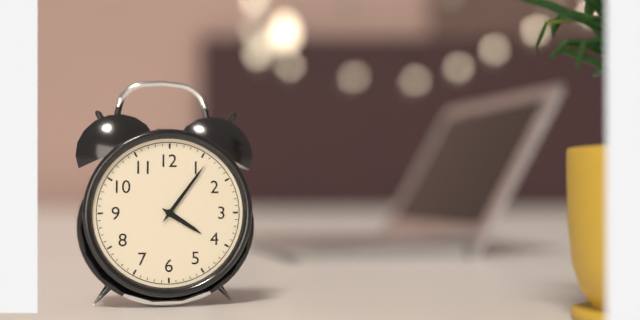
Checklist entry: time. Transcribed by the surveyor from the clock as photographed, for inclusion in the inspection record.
4:06
